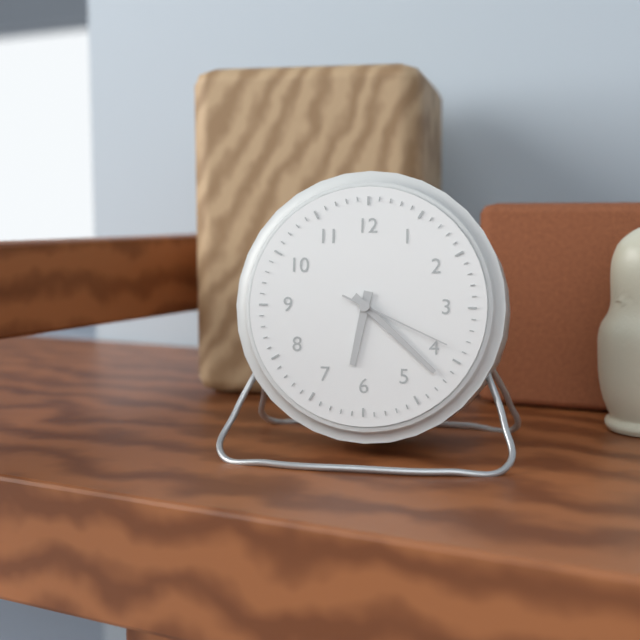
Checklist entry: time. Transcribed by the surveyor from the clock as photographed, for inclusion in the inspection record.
6:22:19
